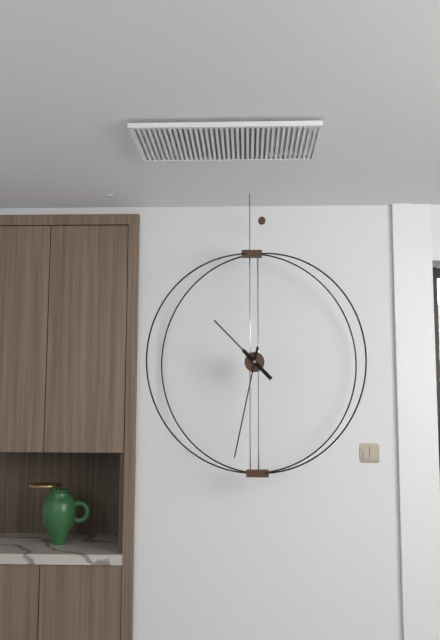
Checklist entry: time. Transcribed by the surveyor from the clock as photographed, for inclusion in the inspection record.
10:32
